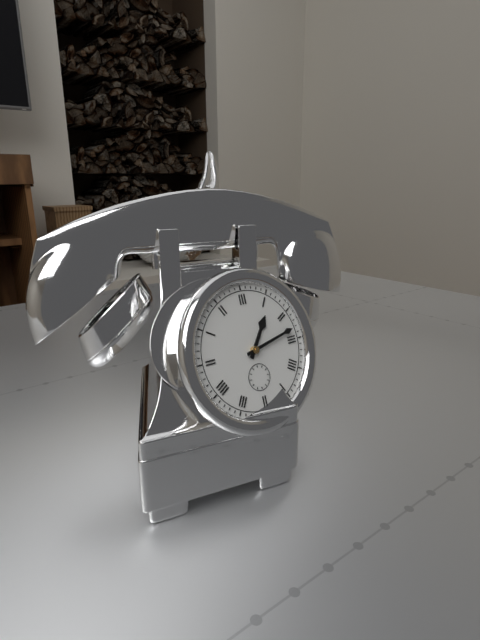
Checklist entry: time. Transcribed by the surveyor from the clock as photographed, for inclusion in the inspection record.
1:13
